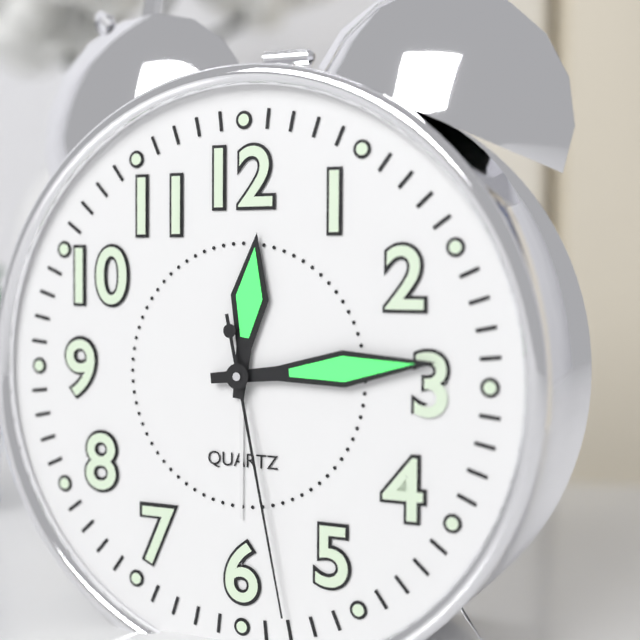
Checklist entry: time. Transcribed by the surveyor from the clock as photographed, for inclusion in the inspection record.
12:14:28
